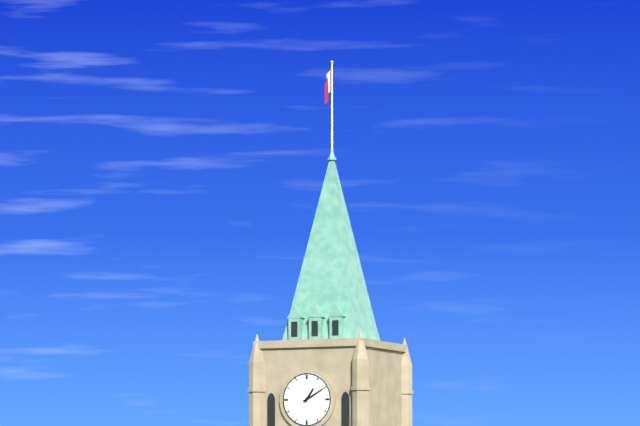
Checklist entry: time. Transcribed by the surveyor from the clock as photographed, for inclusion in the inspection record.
1:10
